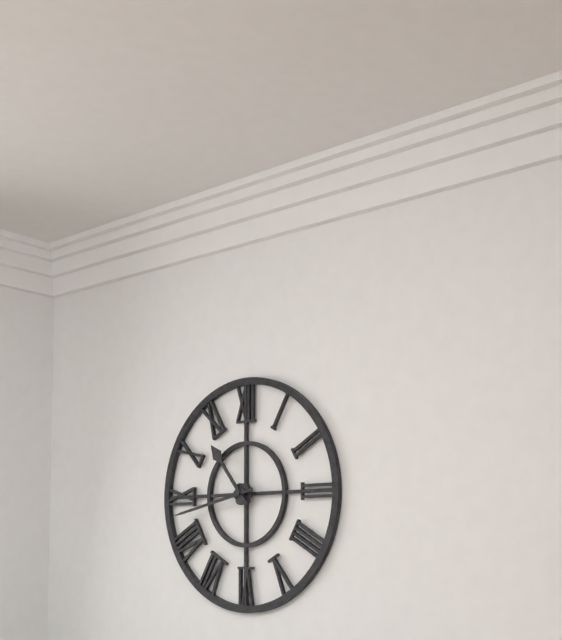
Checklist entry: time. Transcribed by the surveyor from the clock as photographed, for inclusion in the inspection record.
10:43
